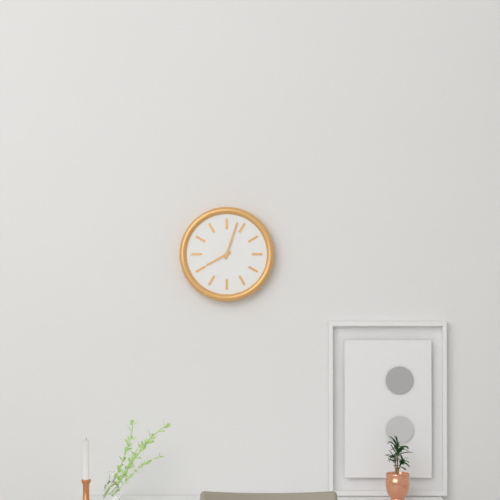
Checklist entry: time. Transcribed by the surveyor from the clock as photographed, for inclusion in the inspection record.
8:03
